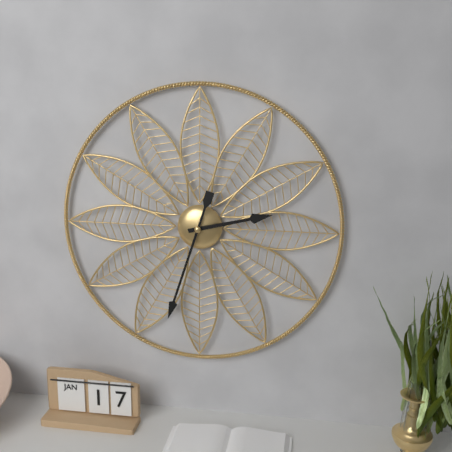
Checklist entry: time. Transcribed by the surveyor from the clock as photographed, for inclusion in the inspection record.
2:33
